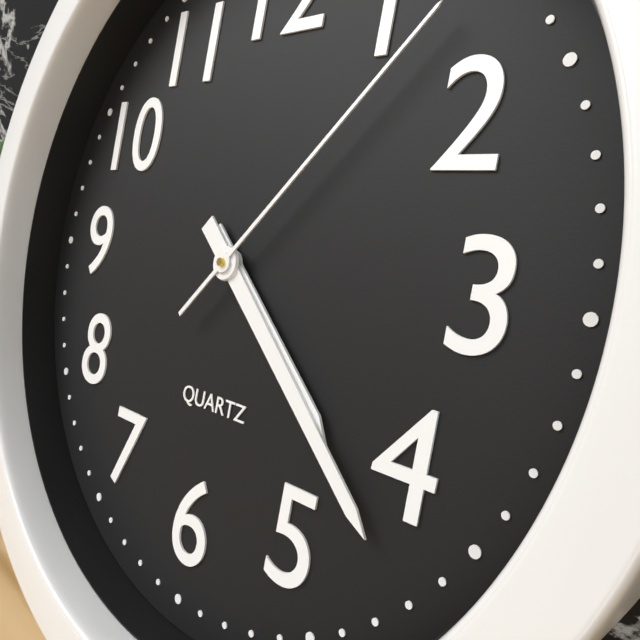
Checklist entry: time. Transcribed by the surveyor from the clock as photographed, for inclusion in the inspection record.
4:22
